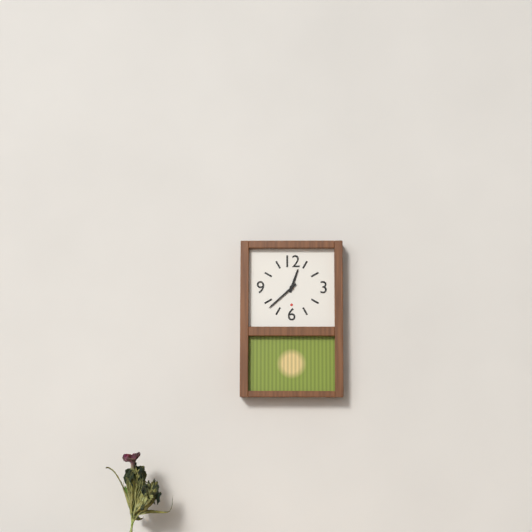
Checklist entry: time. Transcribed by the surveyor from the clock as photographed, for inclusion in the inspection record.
12:38
